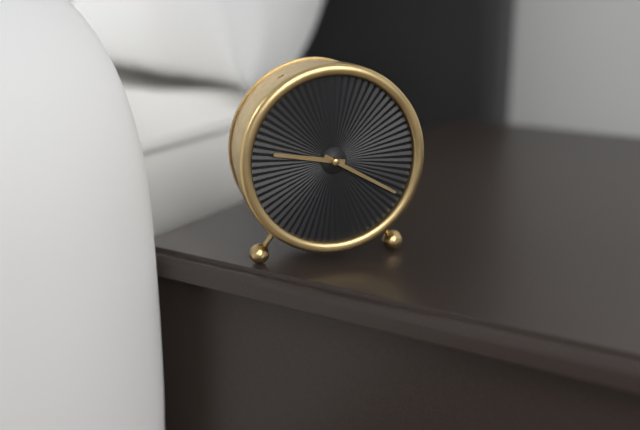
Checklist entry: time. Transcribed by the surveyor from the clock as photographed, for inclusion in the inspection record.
9:20
